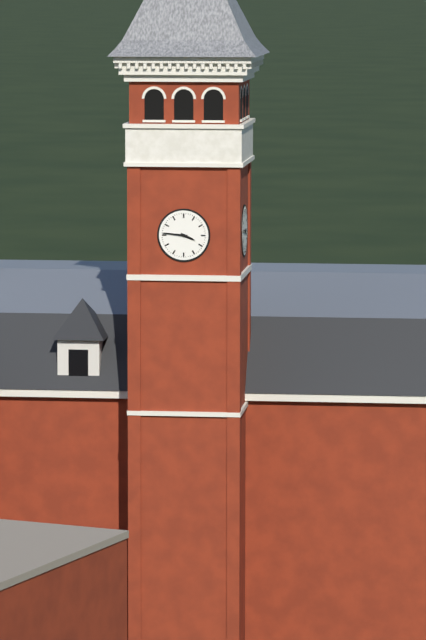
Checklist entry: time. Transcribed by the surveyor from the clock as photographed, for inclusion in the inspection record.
3:46
